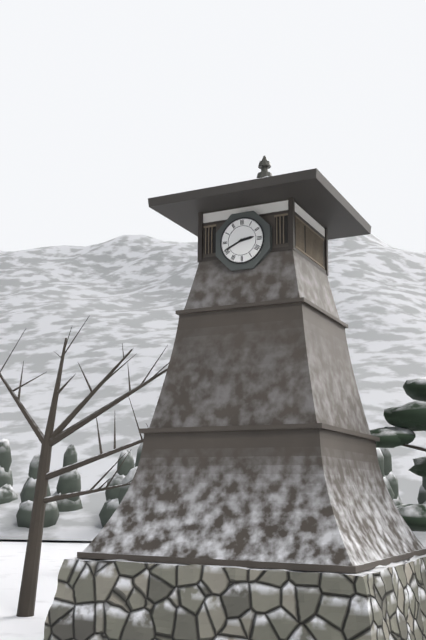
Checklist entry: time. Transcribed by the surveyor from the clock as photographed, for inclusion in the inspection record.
2:41
